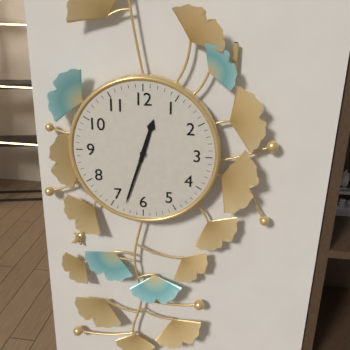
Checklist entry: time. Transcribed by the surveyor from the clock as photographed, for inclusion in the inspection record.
12:33
